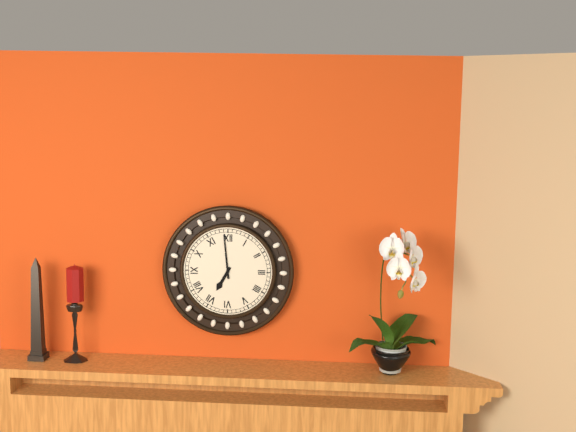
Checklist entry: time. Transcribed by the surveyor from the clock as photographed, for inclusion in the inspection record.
6:59
